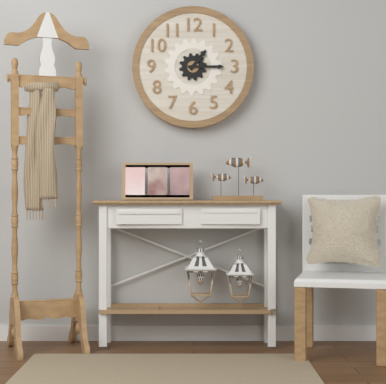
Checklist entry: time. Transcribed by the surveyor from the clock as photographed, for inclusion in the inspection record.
1:15
